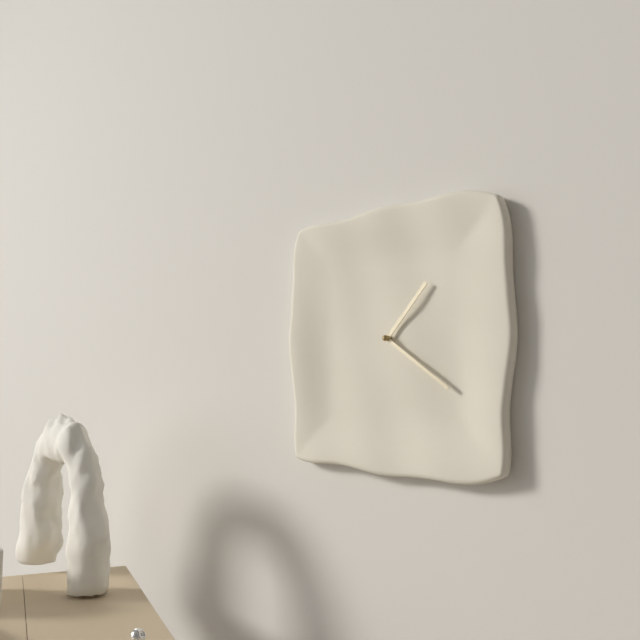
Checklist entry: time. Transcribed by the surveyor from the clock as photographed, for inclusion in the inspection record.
1:21
